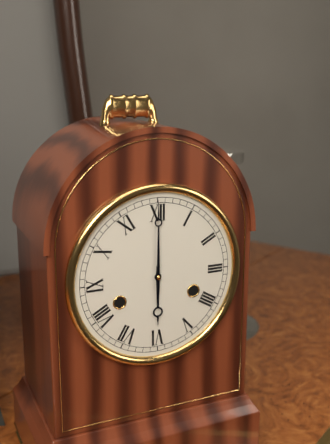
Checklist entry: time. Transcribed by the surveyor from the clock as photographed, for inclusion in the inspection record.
6:00
